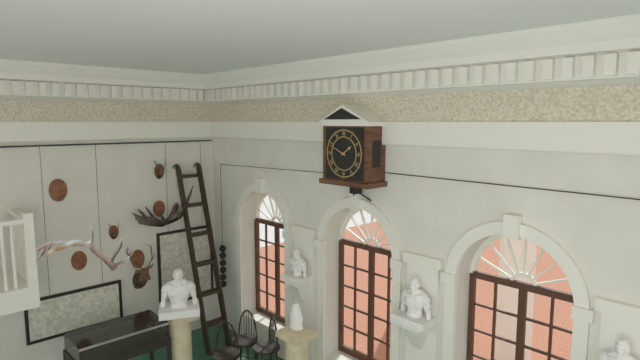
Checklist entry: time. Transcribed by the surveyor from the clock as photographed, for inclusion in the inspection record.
1:49
